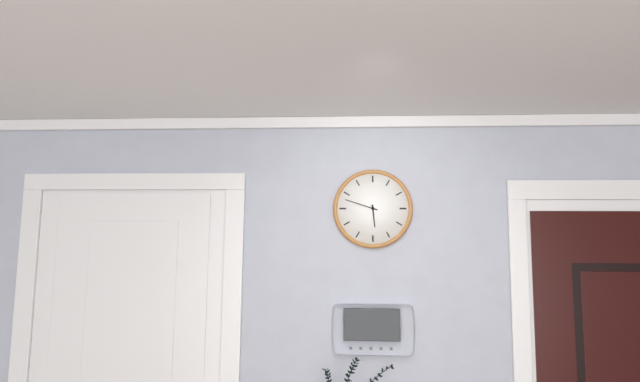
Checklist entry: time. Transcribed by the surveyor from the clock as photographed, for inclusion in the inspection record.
5:48
